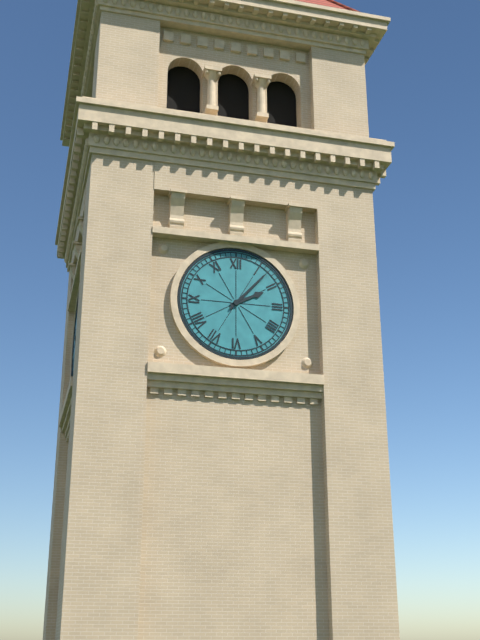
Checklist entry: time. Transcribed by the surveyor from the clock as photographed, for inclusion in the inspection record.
2:07
